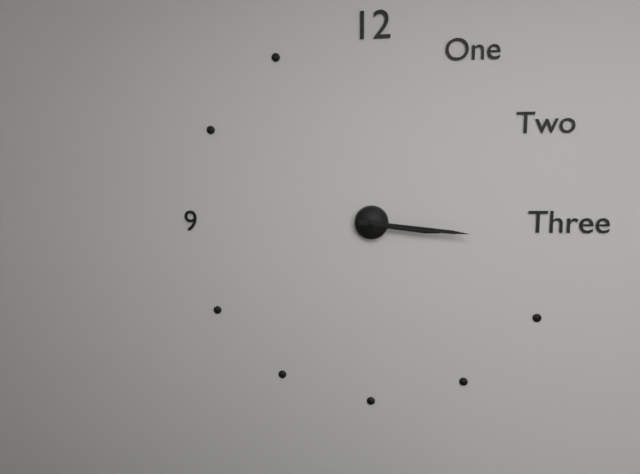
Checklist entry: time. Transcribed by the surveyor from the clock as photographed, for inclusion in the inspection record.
3:16
